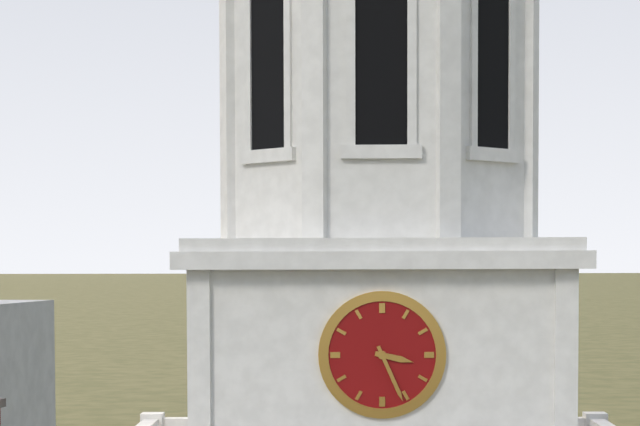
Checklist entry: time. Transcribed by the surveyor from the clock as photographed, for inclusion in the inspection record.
3:26
